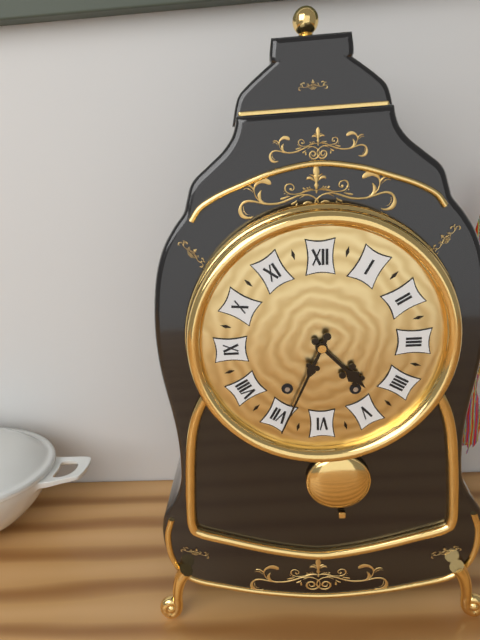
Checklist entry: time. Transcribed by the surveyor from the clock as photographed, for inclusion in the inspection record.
4:34
